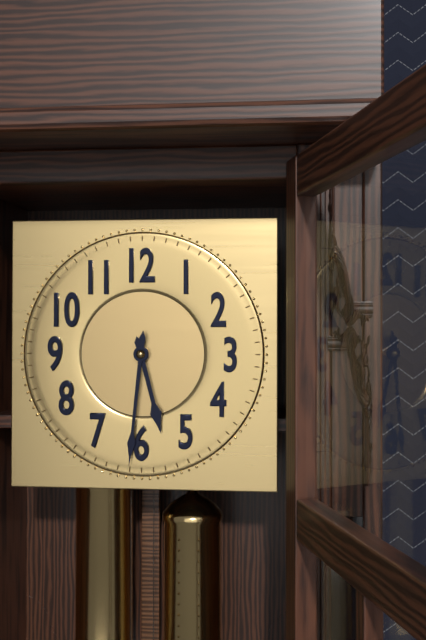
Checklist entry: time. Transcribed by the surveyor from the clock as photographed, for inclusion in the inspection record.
5:31
